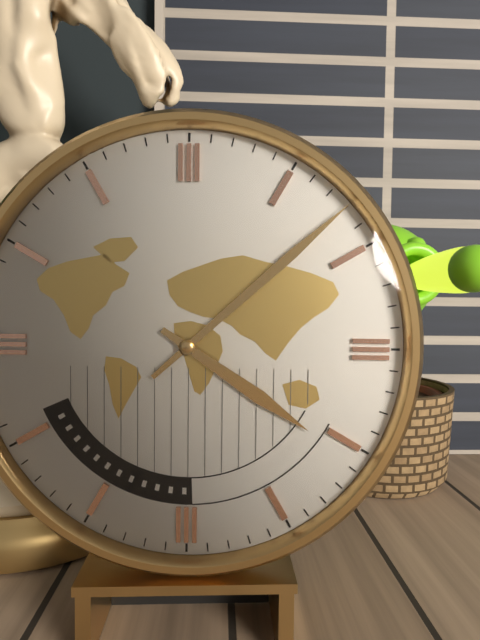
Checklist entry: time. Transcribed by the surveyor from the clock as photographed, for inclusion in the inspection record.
4:08
